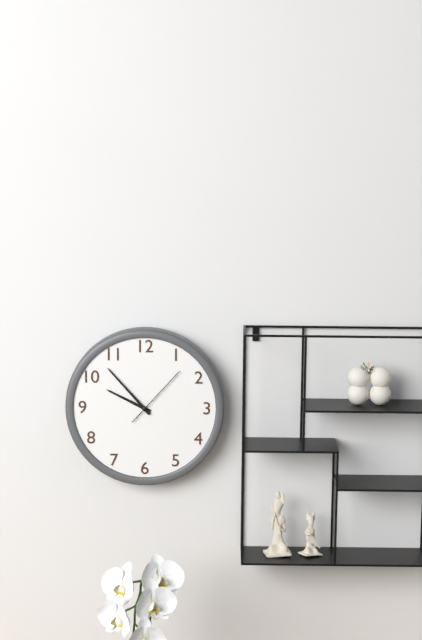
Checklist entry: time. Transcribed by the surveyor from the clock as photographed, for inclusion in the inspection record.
9:53:07
